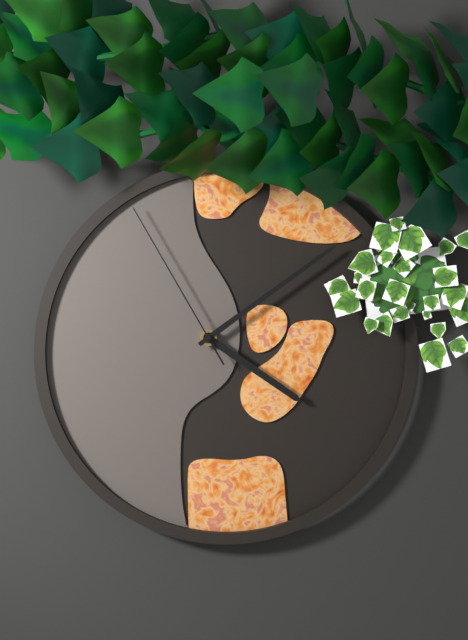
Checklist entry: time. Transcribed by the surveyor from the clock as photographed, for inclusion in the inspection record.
4:09:55
